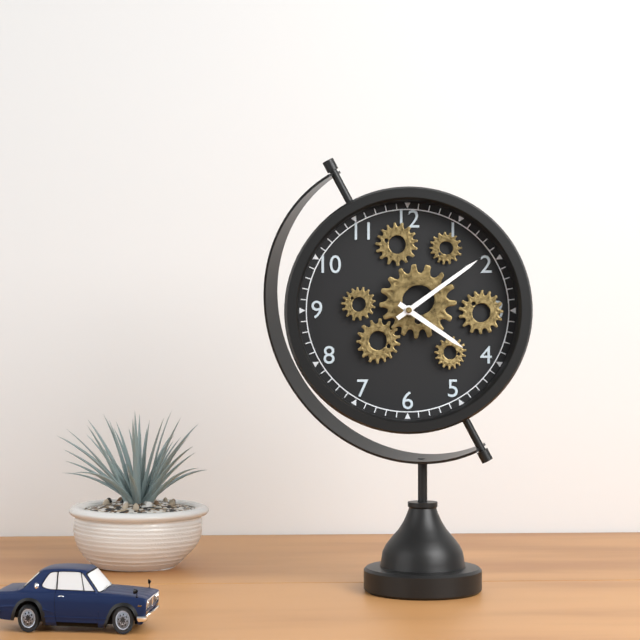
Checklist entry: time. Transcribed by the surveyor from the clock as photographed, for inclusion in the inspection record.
4:09
